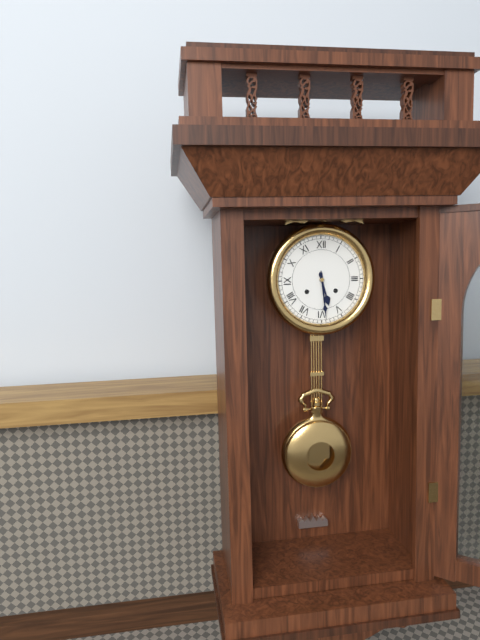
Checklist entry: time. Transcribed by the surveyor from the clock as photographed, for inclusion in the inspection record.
5:29
